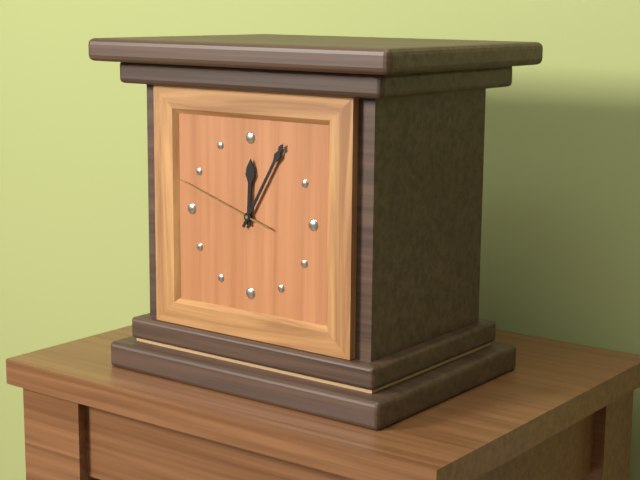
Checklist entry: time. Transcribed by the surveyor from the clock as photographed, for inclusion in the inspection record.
12:05:48
